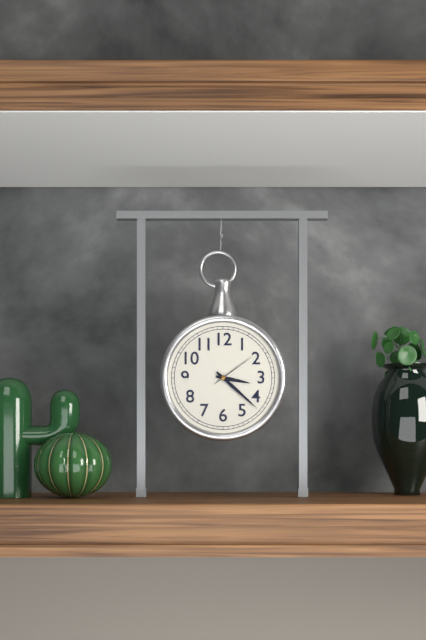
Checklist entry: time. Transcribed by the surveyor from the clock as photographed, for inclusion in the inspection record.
3:22
